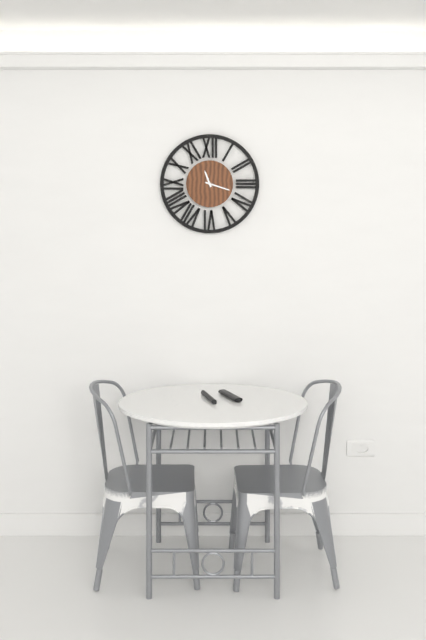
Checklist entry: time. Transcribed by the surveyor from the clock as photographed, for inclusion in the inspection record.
11:18
